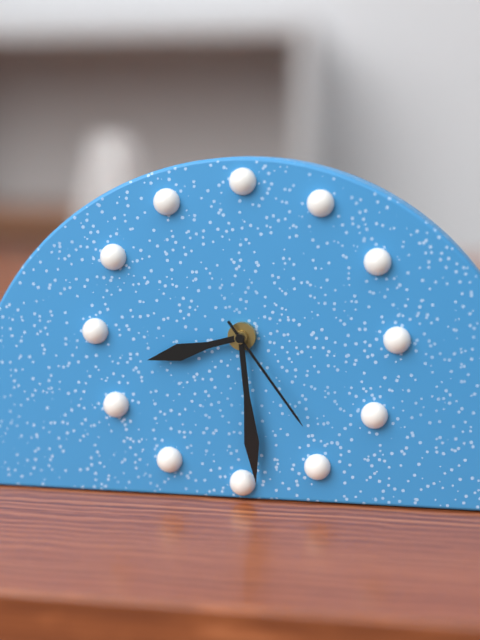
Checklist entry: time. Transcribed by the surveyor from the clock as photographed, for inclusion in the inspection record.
8:29:24
